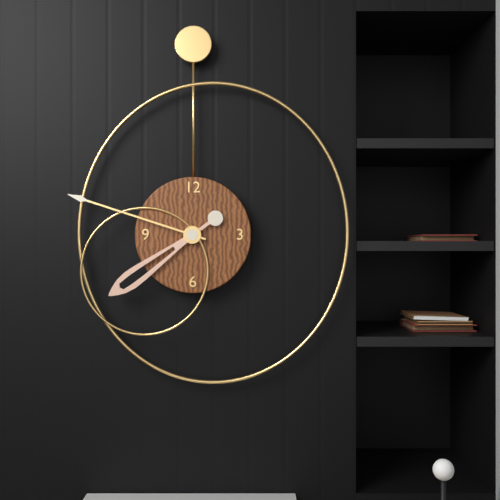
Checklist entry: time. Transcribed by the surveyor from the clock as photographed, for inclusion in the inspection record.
7:48
